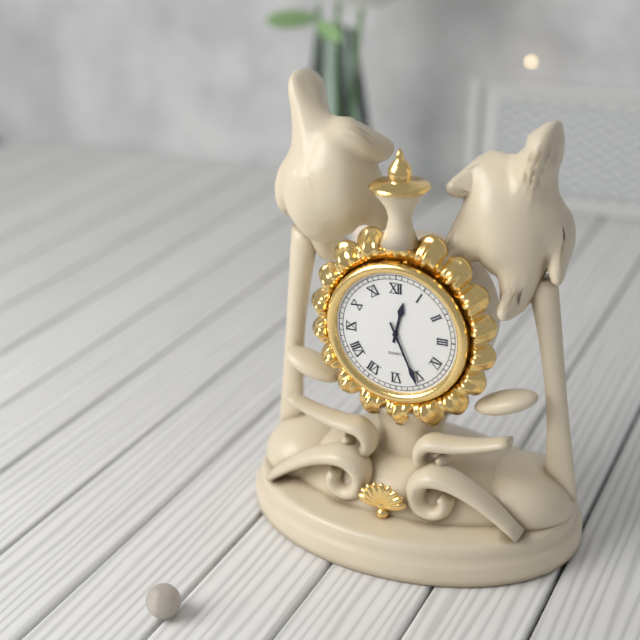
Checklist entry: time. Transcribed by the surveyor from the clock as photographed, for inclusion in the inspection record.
12:26
